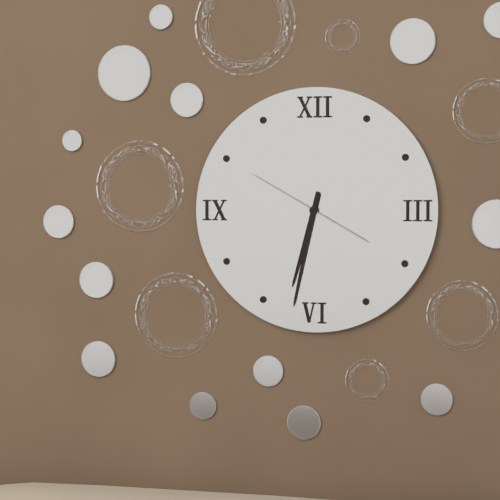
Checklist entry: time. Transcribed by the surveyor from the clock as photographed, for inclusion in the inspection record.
6:32:50
